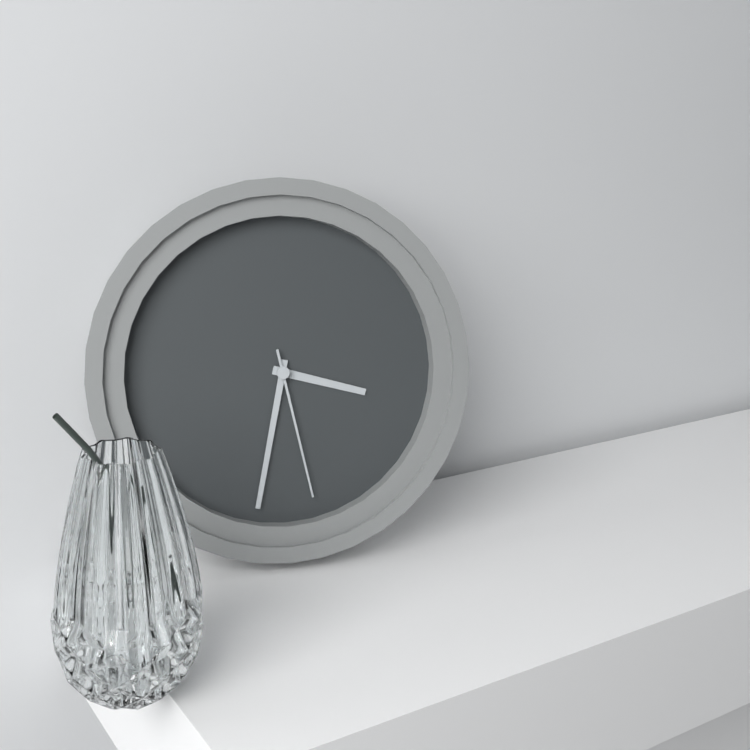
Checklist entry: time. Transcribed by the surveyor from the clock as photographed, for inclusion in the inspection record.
3:32:28
